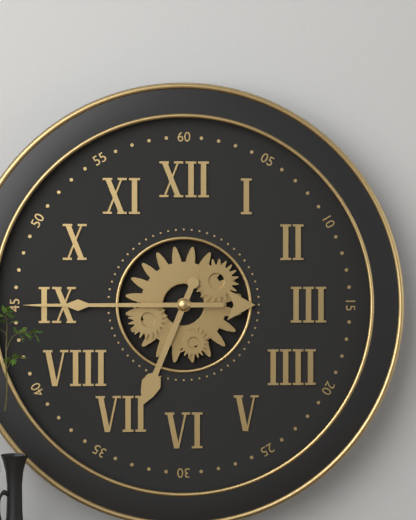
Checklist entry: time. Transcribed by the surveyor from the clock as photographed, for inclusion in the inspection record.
6:45
